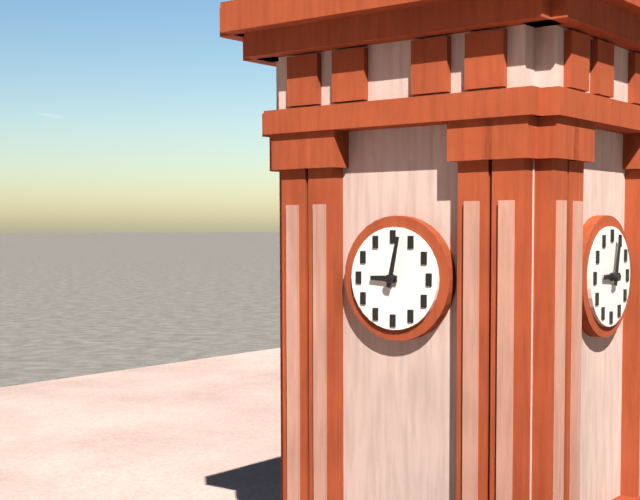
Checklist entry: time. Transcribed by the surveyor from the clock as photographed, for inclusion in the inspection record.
9:02
